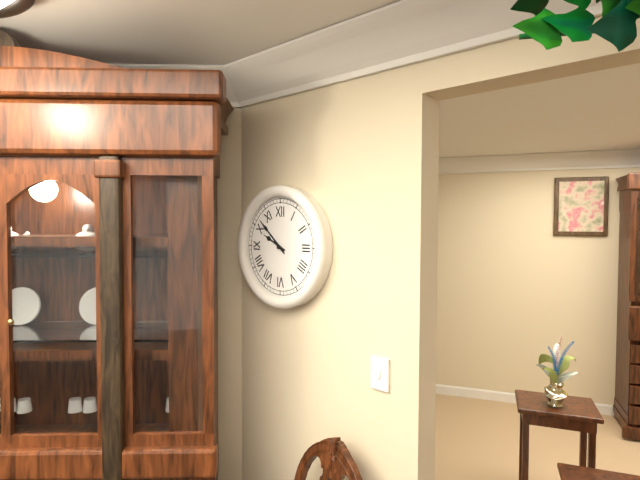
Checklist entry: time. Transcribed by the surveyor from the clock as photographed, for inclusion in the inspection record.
9:52
